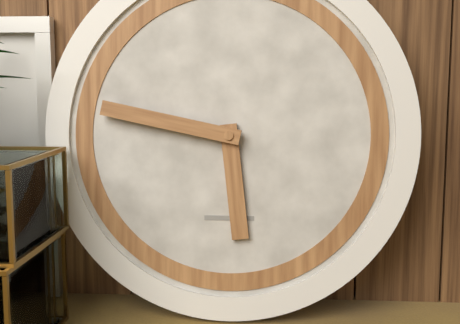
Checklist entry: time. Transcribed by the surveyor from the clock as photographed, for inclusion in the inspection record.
5:47
